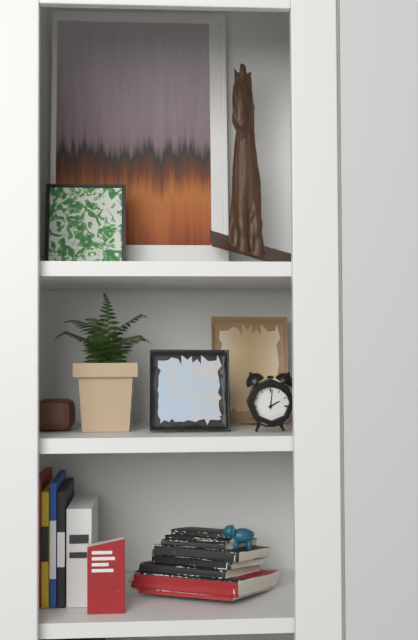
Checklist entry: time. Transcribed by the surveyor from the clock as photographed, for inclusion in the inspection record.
2:01
